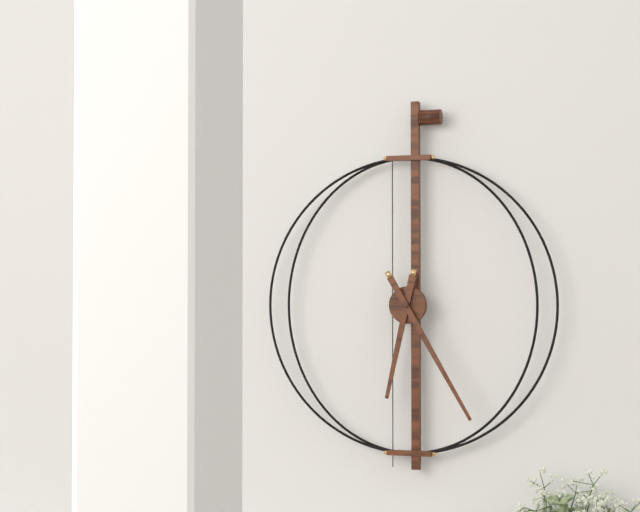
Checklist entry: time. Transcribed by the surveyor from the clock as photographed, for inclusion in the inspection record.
6:25
